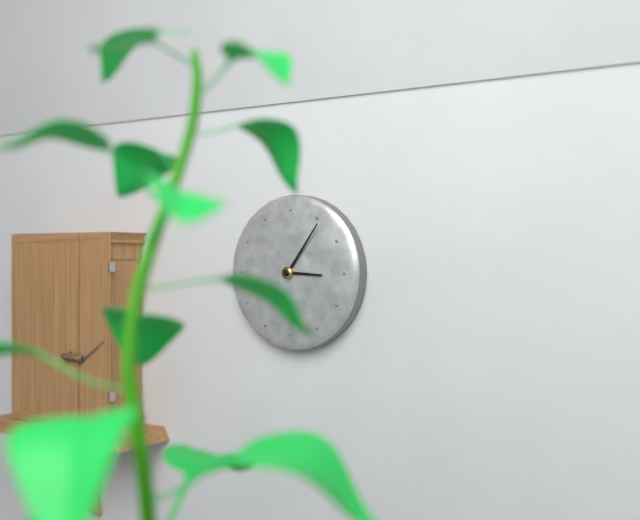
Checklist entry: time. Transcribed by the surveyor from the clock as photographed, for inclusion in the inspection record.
3:06
